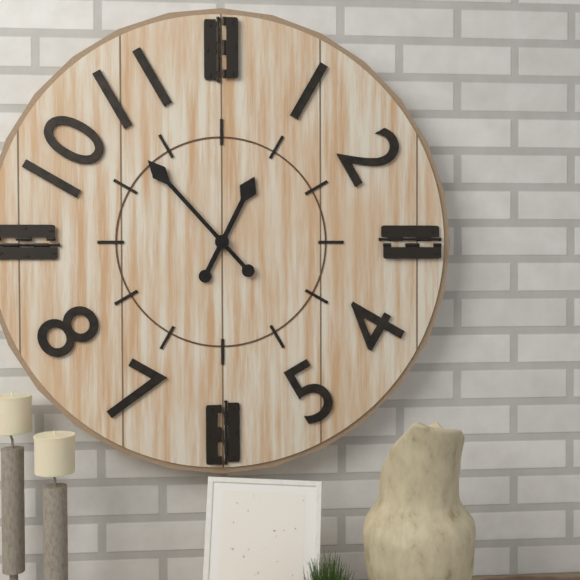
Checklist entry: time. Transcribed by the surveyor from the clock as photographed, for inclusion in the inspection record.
12:53
